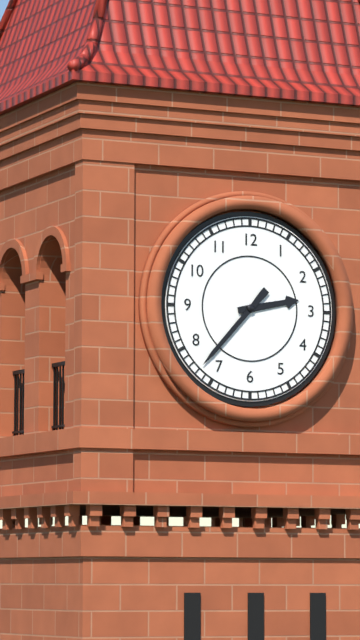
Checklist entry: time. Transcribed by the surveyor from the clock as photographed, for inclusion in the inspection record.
2:37
